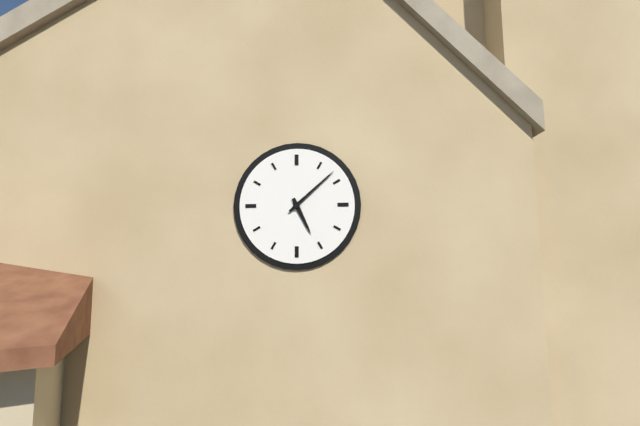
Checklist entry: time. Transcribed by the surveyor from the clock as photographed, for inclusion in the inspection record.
5:08
